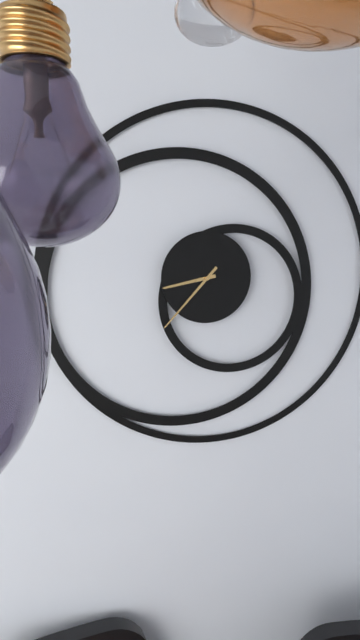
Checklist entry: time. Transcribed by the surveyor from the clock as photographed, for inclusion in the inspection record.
8:37
